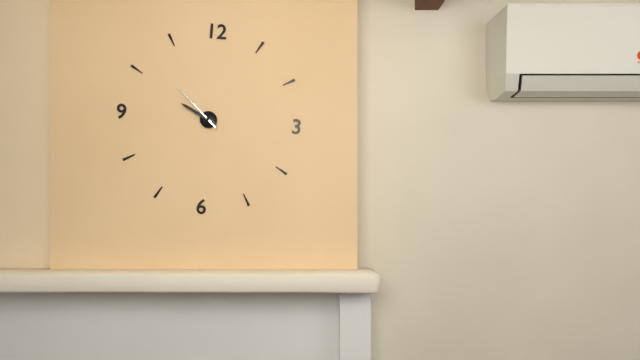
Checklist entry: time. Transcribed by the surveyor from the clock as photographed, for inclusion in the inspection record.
9:52
